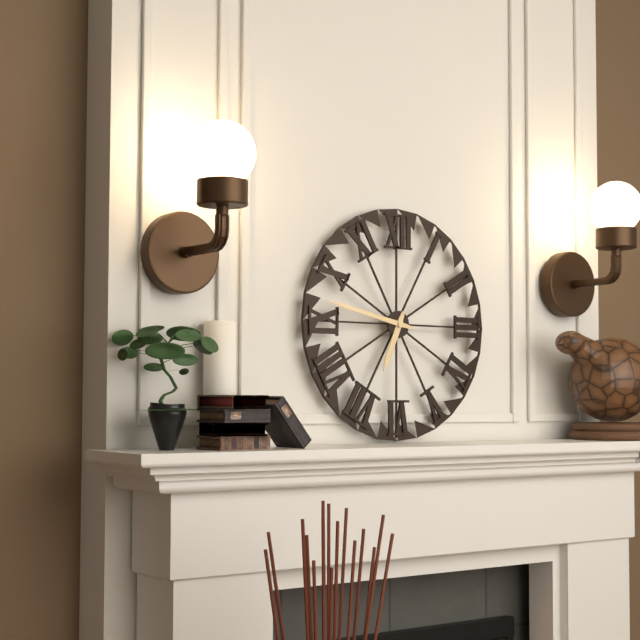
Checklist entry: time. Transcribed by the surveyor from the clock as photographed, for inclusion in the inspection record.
6:47
